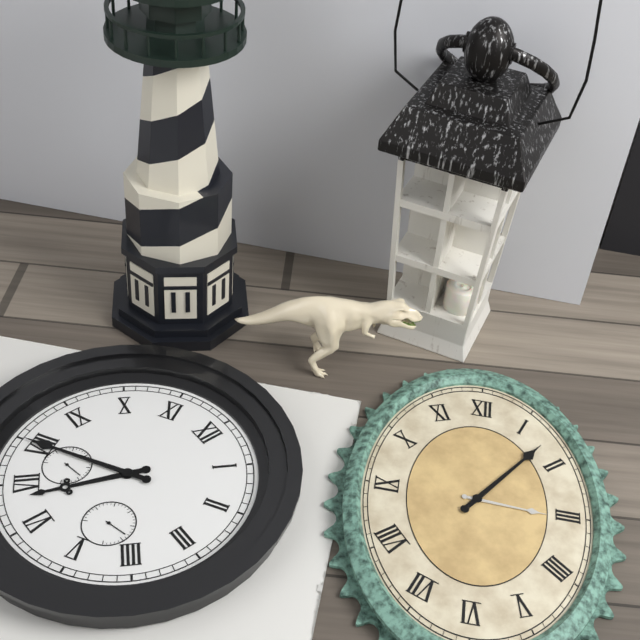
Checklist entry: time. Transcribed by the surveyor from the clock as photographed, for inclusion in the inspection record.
6:40
